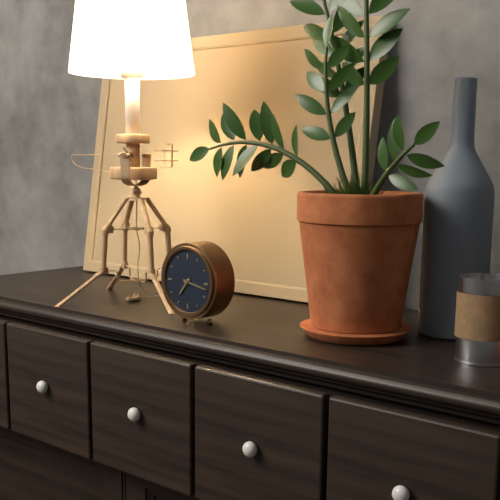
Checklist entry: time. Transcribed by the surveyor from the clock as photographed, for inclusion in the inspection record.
7:17
